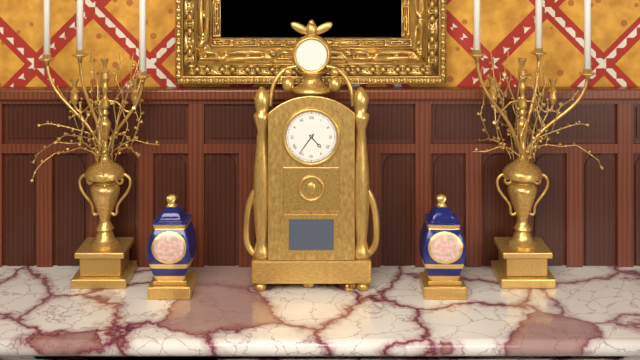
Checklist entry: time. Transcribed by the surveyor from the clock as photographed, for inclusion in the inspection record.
4:36
